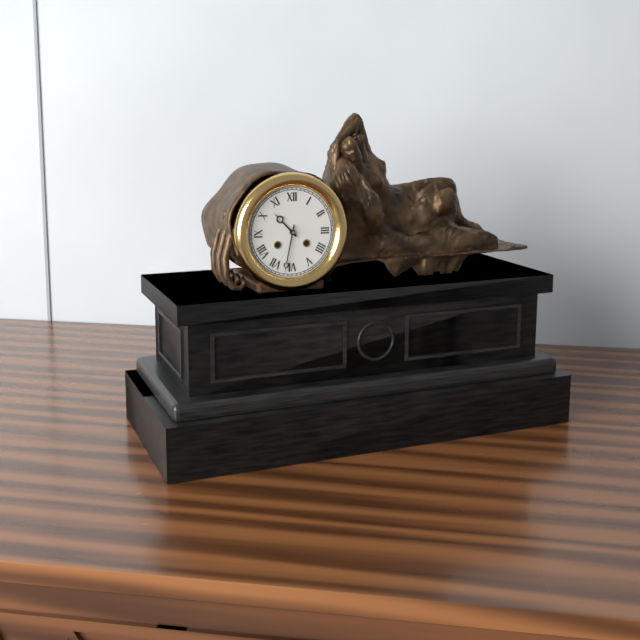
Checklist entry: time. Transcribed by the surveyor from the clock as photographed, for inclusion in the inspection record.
10:32
